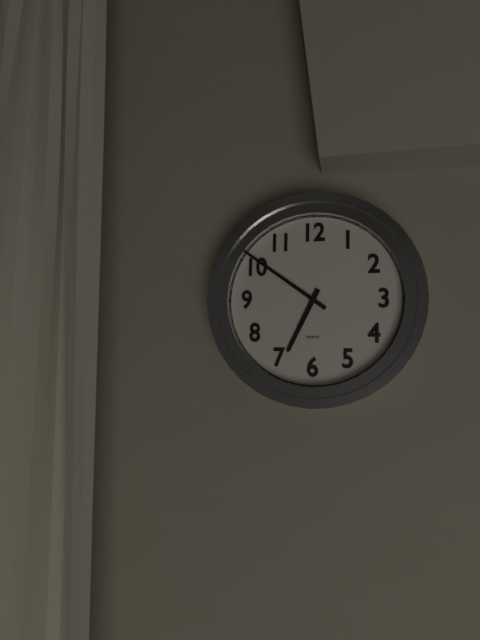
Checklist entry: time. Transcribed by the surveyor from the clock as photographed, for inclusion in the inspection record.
6:51
